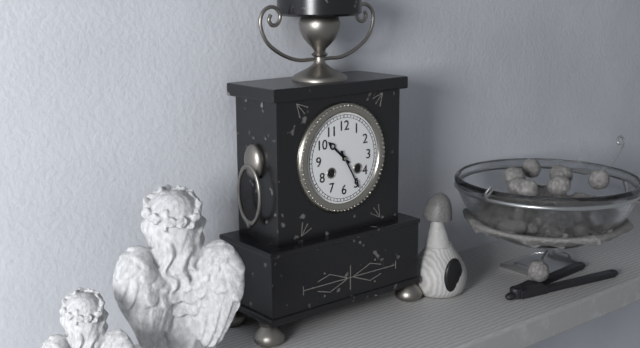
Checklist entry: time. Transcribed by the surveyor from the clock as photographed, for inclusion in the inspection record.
10:25
